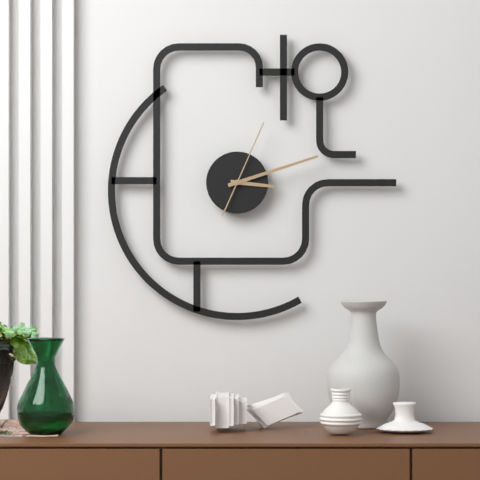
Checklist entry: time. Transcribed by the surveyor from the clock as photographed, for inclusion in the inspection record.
3:12:04
